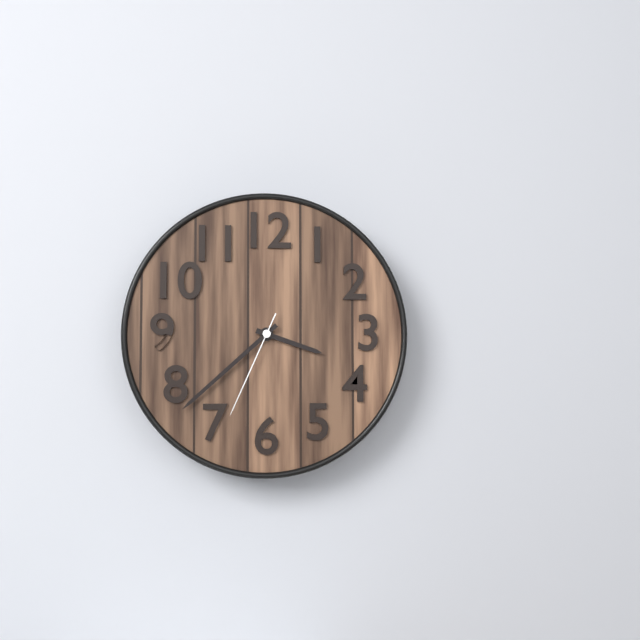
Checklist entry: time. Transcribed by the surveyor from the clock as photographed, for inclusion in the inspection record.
3:38:34
